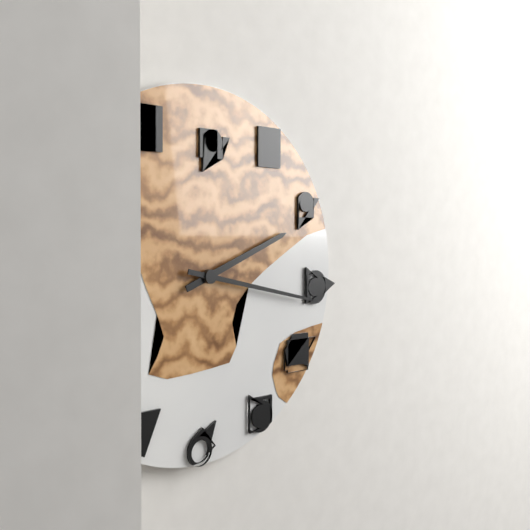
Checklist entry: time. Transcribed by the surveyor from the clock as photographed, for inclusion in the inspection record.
2:17
